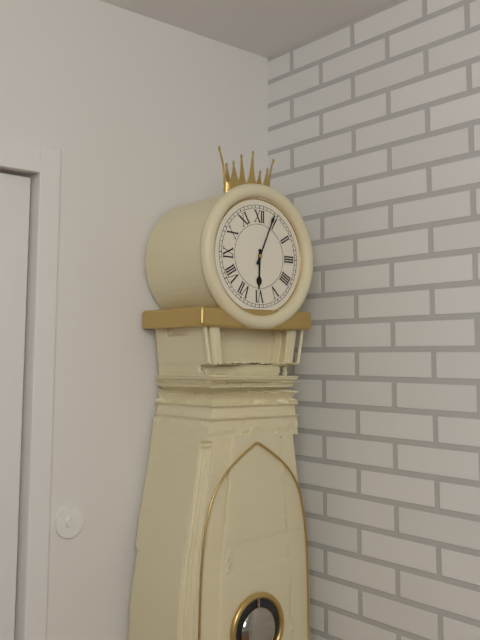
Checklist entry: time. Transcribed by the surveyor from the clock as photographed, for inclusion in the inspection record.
6:04
